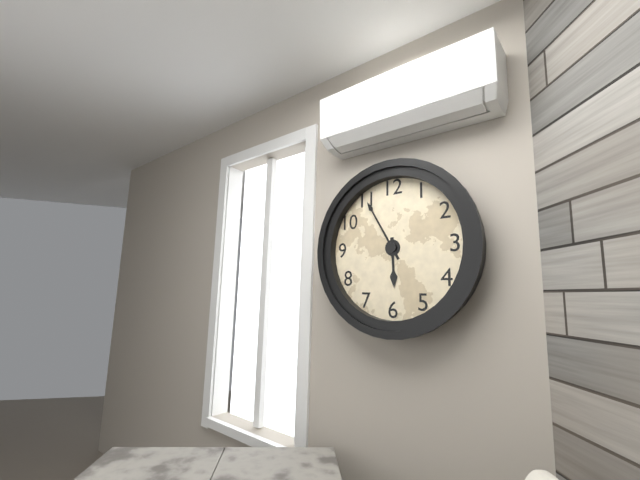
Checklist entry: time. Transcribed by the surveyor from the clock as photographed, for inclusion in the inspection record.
5:55
